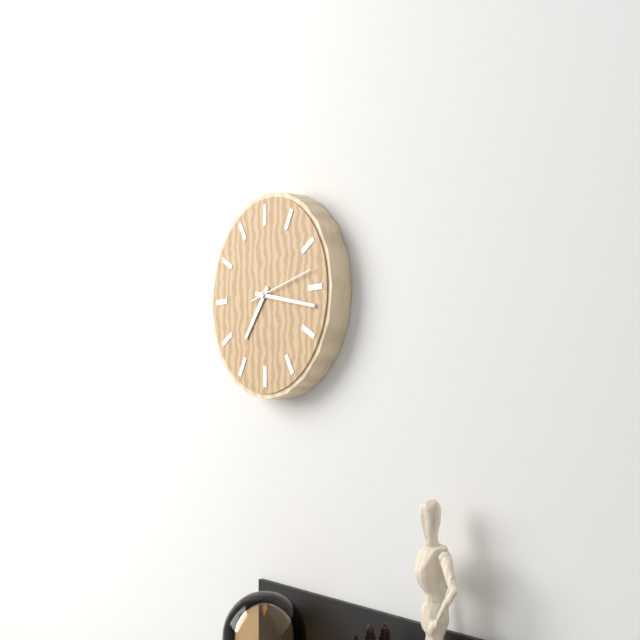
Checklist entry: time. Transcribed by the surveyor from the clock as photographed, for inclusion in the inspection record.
7:17:13
